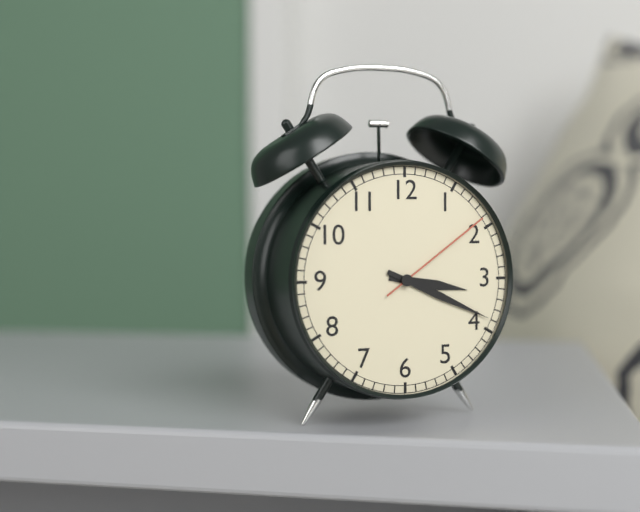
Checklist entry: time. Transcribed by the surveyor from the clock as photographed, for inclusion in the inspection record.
3:19:09
